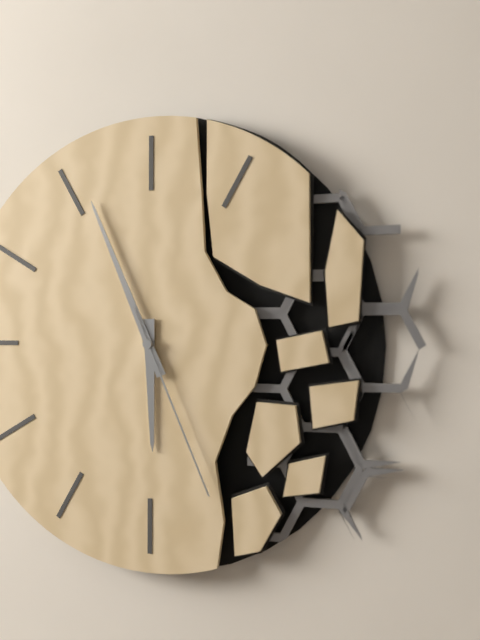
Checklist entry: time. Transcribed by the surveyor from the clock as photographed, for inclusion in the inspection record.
5:56:26
